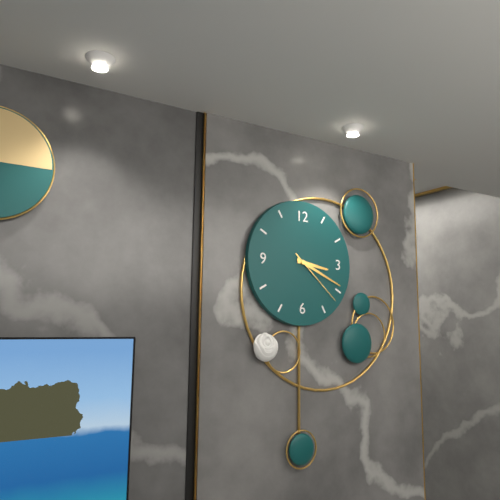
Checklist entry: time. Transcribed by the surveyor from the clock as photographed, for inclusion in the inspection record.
3:19:22
